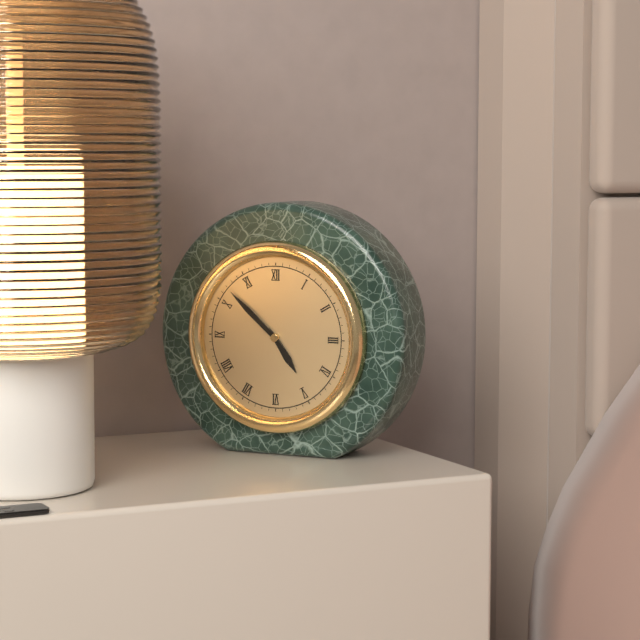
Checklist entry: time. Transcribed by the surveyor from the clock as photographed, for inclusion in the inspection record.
4:52
